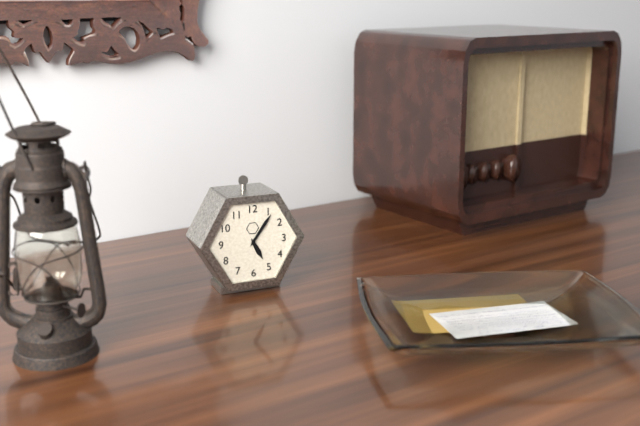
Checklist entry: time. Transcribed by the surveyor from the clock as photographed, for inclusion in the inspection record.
5:06
